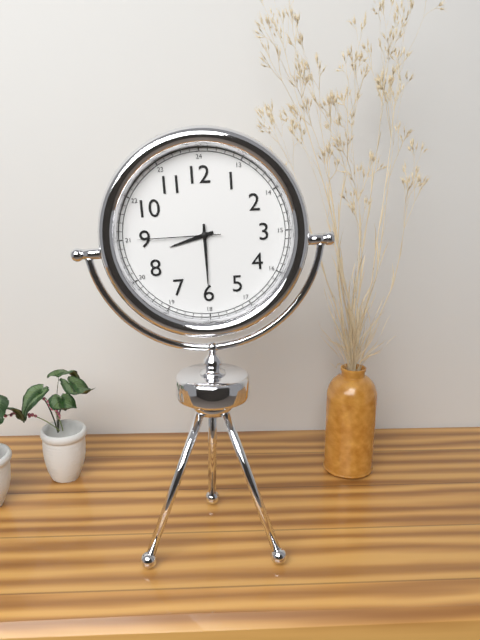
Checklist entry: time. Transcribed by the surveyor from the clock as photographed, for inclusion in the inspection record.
8:30:45
